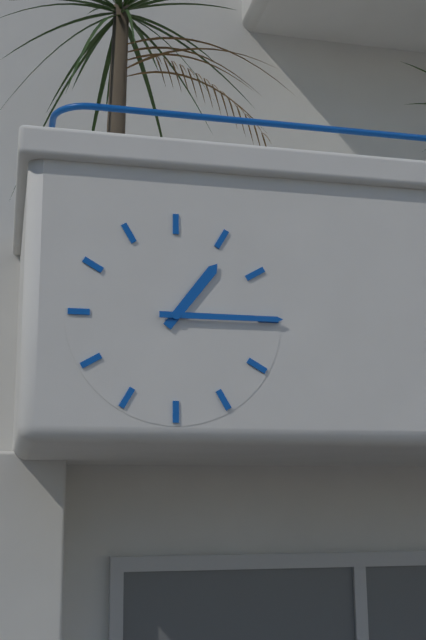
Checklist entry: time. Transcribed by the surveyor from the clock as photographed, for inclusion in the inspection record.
1:15
